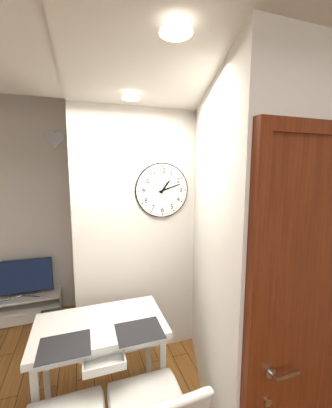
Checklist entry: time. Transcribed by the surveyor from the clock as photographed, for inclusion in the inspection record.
1:12
